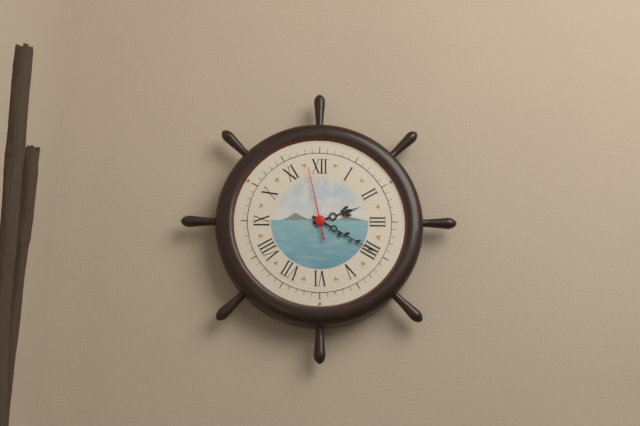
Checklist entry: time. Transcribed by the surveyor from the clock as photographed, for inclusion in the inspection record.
2:20:58
